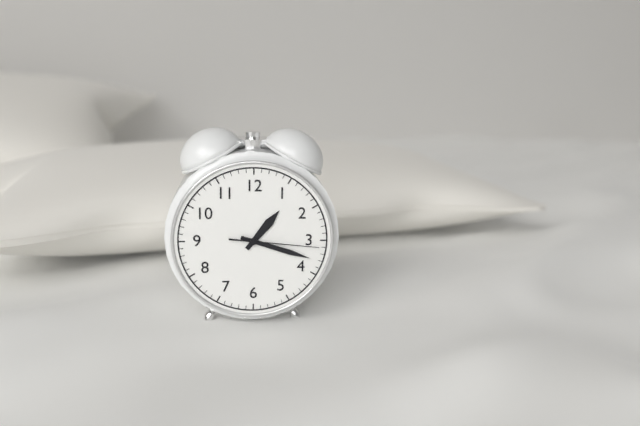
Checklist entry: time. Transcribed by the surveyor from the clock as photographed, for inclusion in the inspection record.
1:18:16
